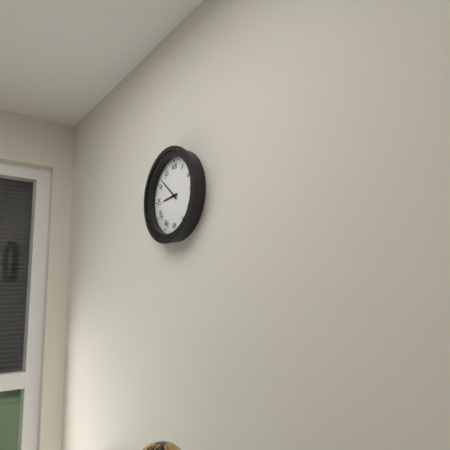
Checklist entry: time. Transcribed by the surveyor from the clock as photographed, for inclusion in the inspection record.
8:52
